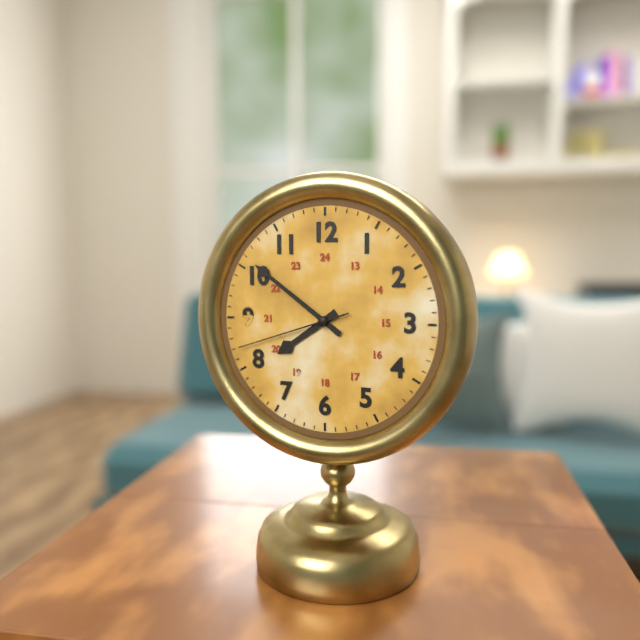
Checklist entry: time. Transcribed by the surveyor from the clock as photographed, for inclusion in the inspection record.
7:51:42
